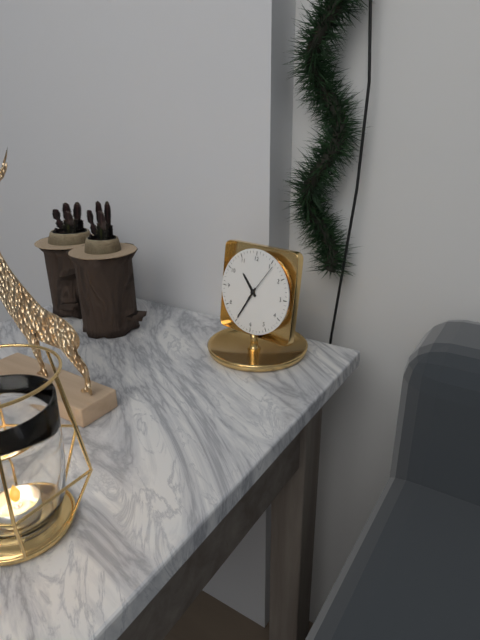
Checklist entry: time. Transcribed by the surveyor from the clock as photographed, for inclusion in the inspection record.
10:35
